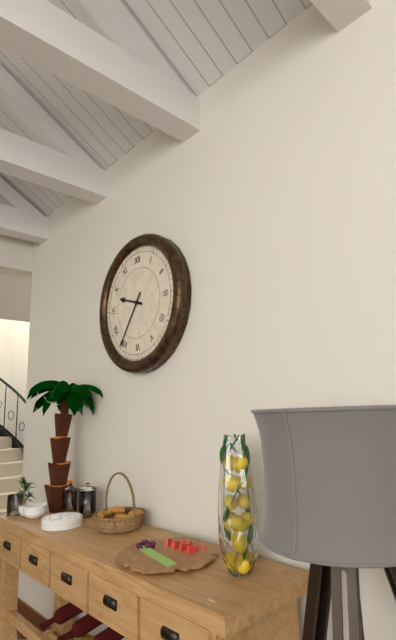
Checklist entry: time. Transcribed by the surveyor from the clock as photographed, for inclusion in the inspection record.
9:36
